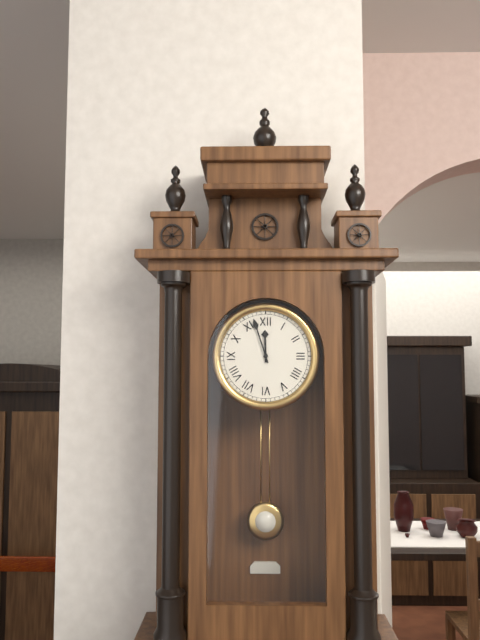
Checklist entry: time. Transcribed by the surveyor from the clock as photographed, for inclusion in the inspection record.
11:57
